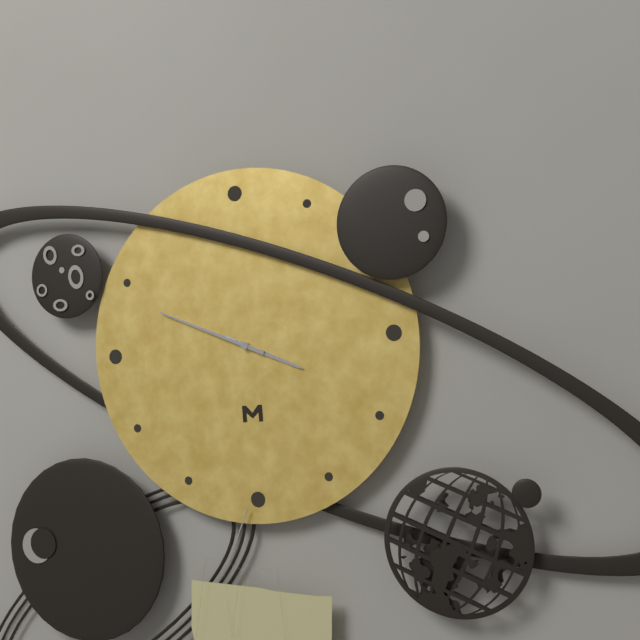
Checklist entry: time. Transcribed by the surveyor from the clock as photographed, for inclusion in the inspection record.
3:49
